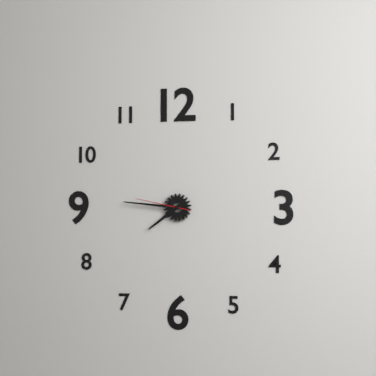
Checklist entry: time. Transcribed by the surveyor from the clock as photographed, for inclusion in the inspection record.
7:46:47
